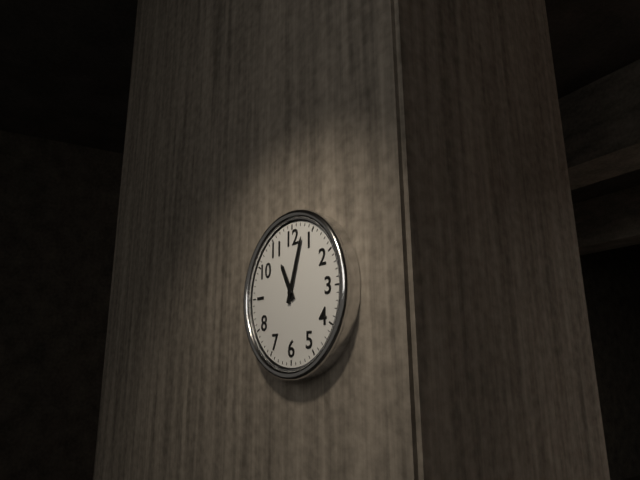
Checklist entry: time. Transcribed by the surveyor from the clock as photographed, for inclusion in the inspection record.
11:03
